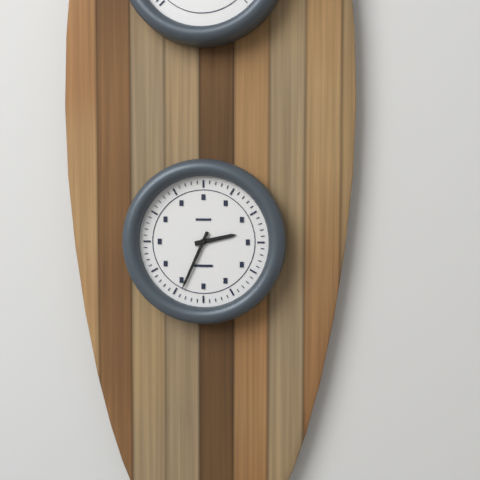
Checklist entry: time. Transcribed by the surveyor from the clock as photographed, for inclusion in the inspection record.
2:34
